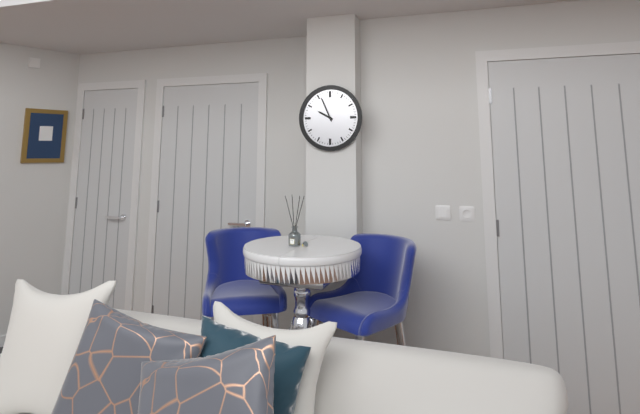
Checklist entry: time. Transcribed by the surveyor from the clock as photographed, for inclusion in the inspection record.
9:56
